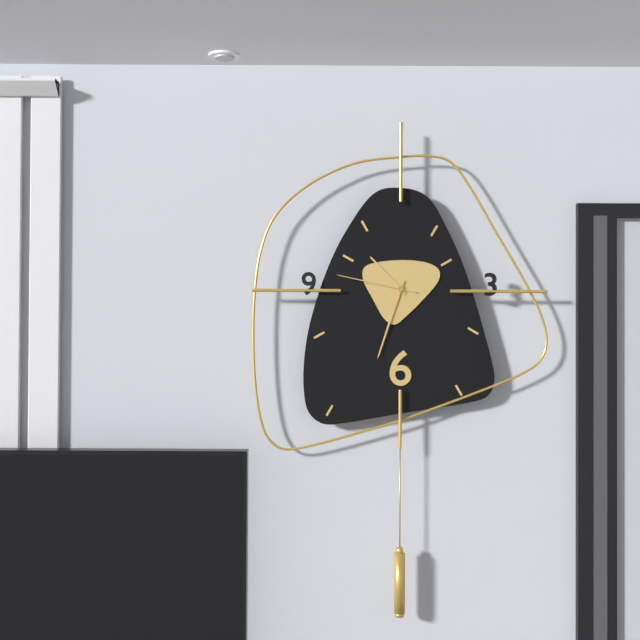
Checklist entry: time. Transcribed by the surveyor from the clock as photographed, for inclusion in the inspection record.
10:33:47
